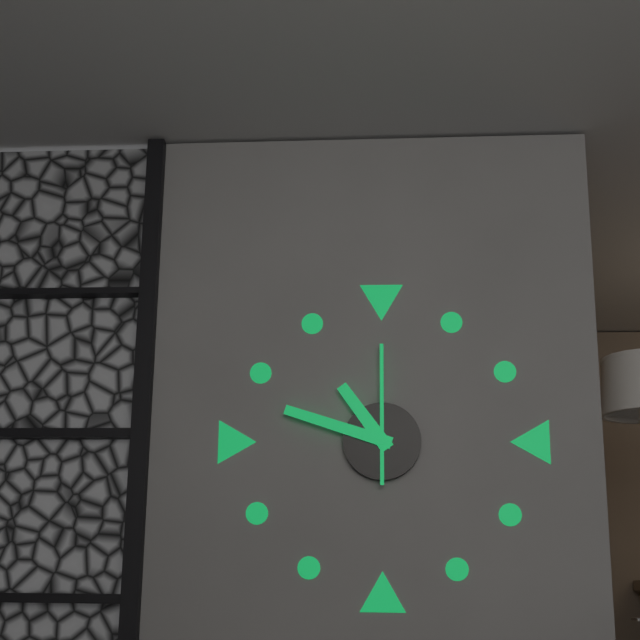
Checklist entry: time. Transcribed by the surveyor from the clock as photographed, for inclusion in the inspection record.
10:48:00
